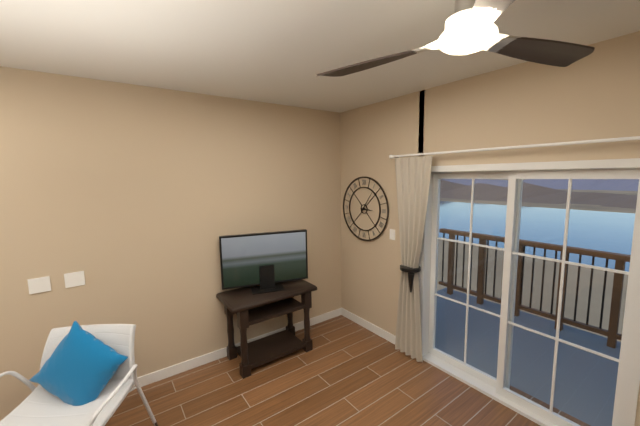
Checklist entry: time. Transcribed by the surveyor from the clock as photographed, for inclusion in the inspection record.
3:06
